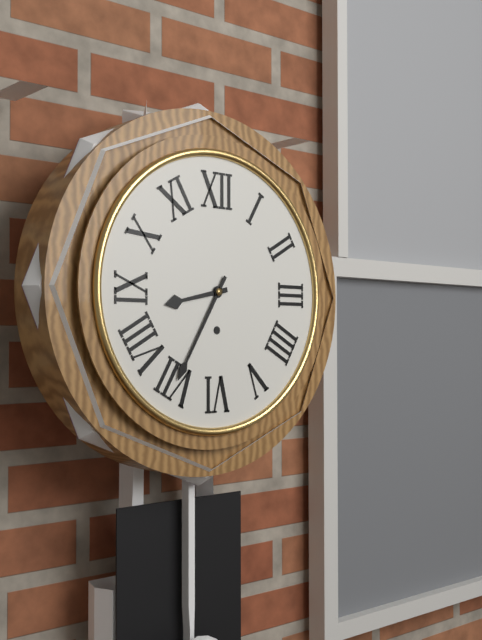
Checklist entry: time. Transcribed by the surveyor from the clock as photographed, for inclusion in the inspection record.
8:35
